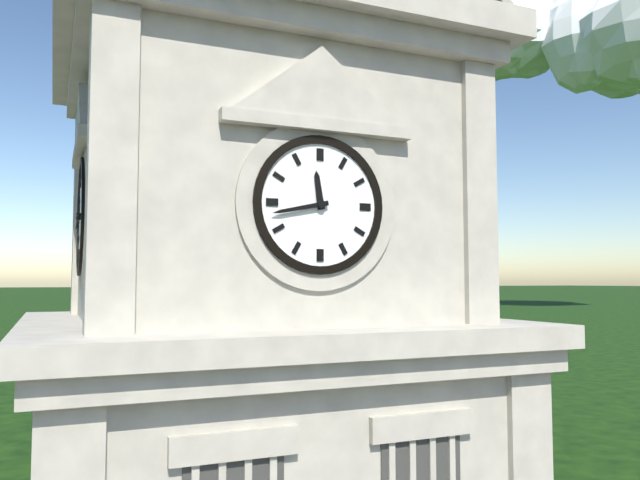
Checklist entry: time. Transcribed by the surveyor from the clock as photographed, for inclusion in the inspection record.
11:43
